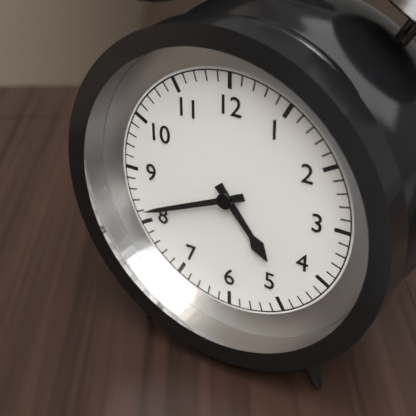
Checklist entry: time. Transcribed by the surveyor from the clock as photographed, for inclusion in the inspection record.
4:41
